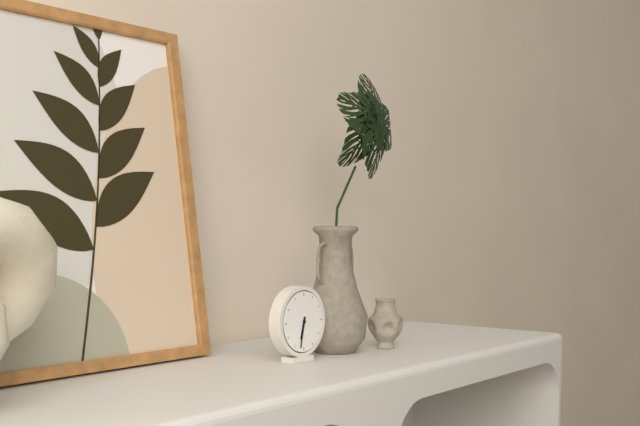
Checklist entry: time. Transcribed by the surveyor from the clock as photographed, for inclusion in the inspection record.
6:32
